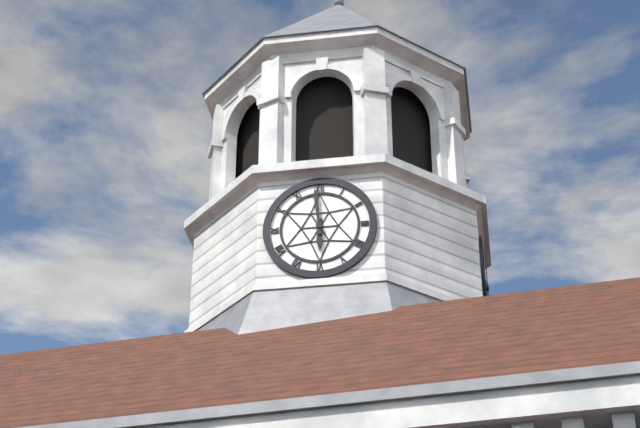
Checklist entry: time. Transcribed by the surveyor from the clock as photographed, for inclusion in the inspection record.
5:59
